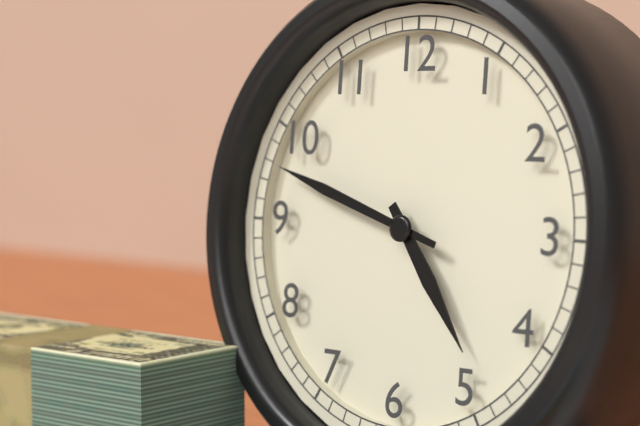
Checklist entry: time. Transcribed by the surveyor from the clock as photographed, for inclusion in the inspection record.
4:48
